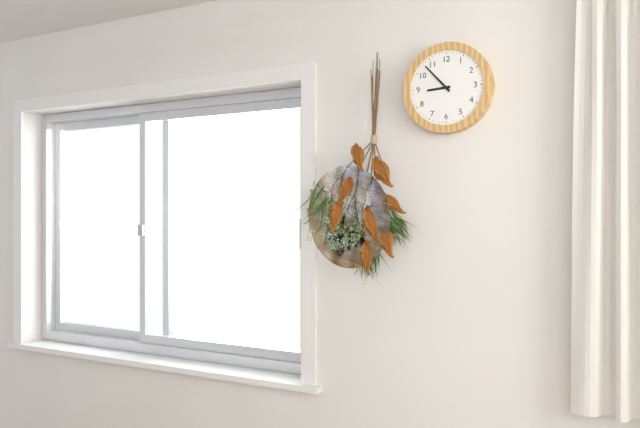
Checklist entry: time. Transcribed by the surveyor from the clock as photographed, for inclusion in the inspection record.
8:53
